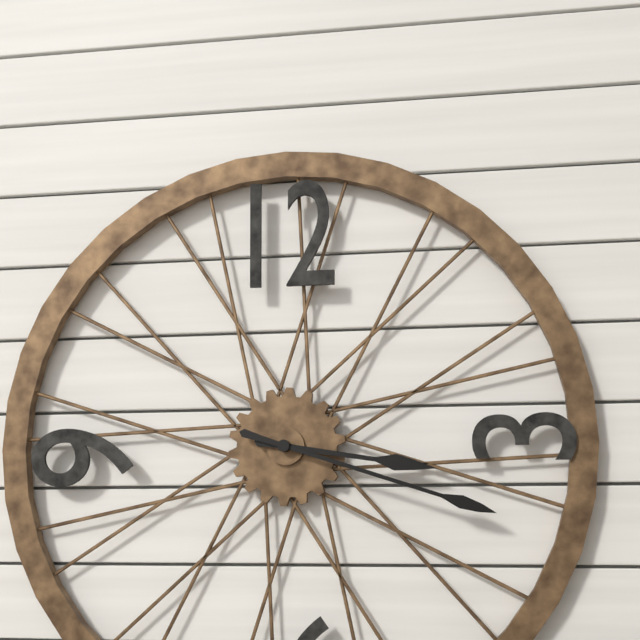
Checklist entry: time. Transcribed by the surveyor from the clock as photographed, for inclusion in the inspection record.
3:18
